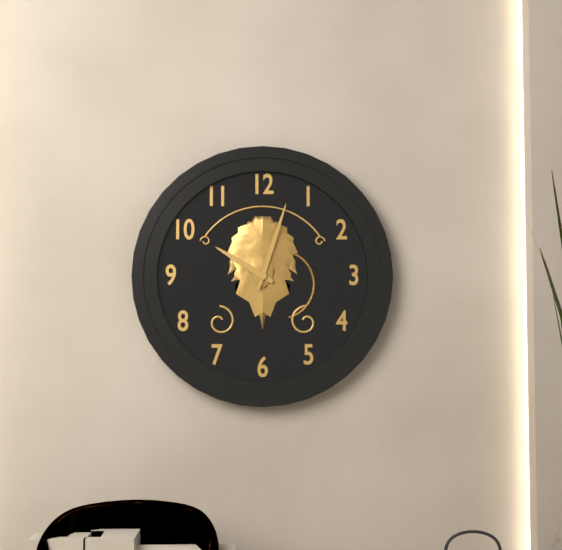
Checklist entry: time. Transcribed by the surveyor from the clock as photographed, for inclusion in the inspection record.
10:03
